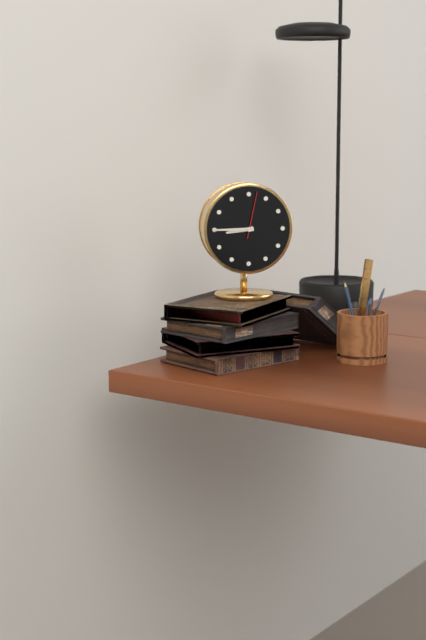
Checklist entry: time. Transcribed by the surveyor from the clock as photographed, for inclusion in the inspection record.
8:45
